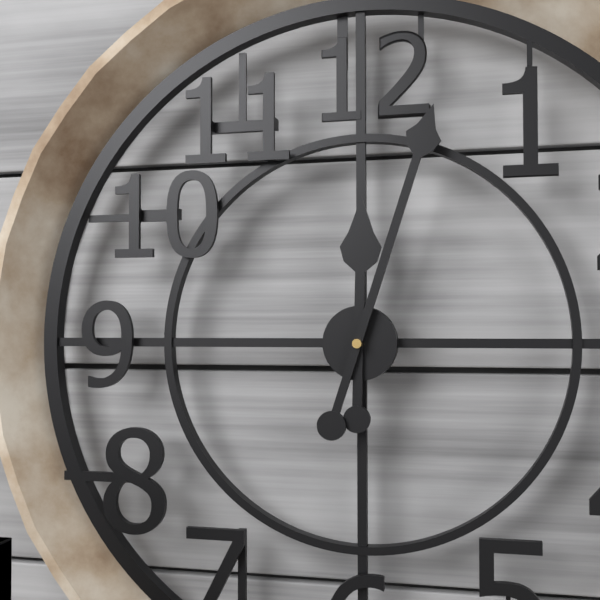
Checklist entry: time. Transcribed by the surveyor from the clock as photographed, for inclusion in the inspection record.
12:03
